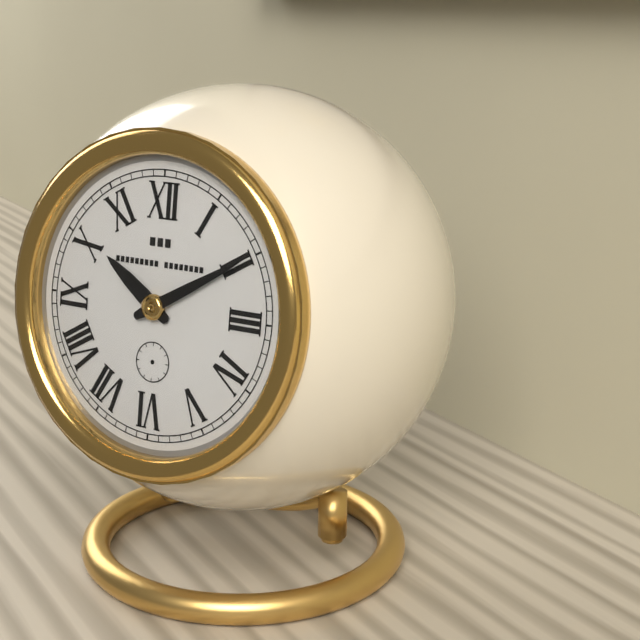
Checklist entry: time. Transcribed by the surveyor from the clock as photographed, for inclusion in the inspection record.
10:10
